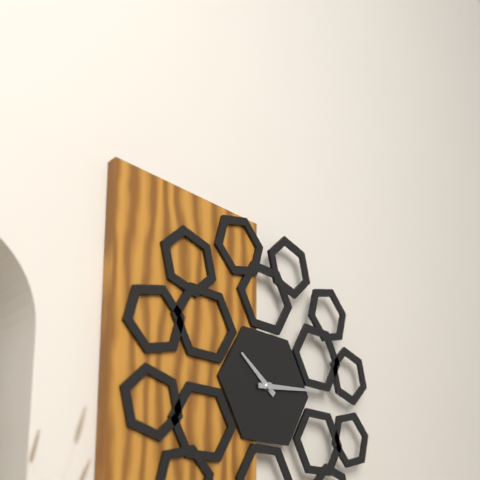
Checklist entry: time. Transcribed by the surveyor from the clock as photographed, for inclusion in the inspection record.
10:14
